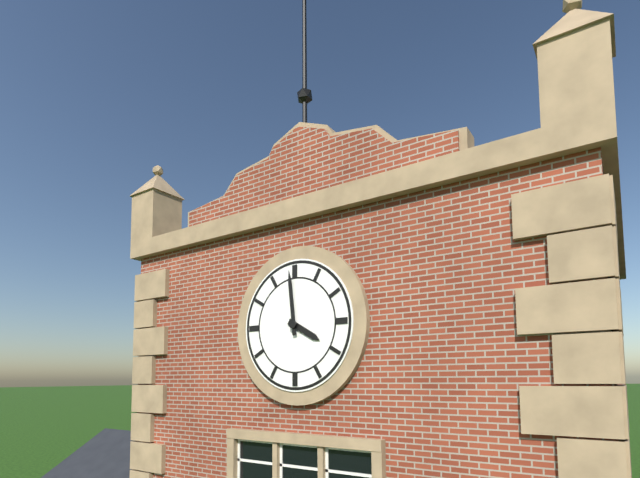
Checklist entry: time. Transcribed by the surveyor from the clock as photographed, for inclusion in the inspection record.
3:59
